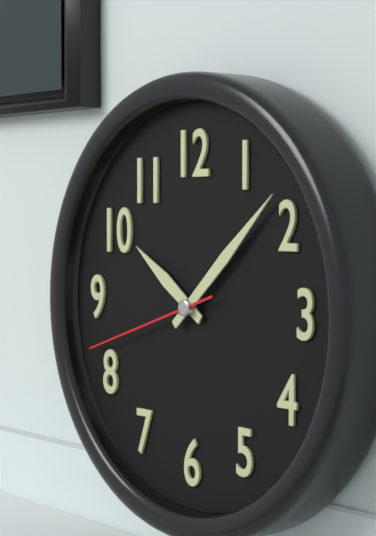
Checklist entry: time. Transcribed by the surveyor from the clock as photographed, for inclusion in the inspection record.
10:08:42
